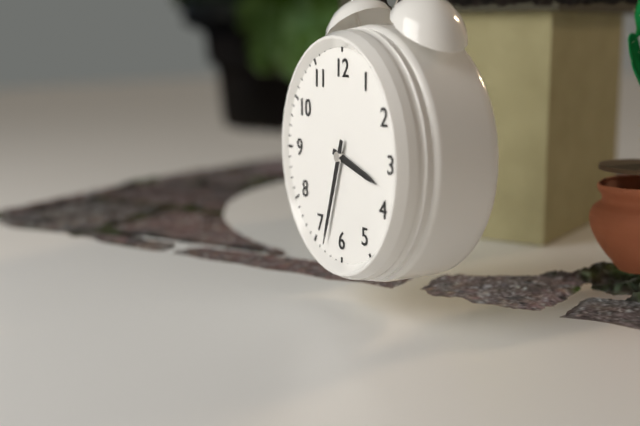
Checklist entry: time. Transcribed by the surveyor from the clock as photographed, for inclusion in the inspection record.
3:33
